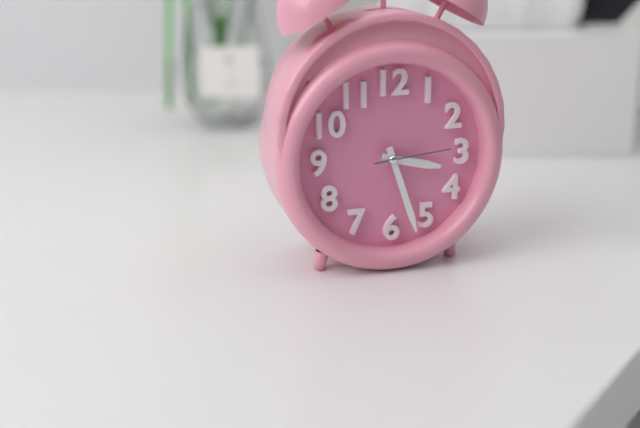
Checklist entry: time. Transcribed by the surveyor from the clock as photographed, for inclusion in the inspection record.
3:27:14
